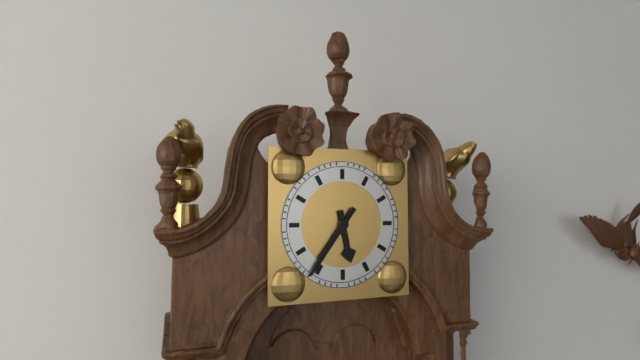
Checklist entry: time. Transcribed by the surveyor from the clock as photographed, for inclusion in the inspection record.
5:36
